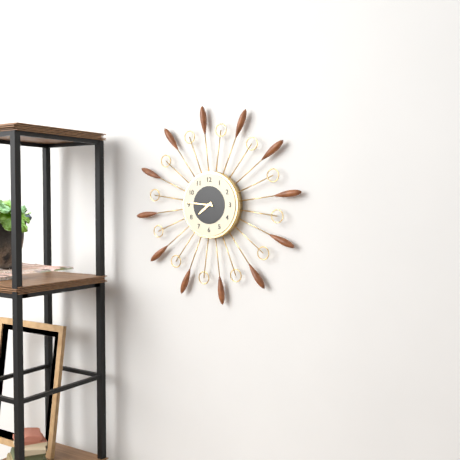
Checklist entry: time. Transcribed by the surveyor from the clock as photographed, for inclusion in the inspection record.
7:46
